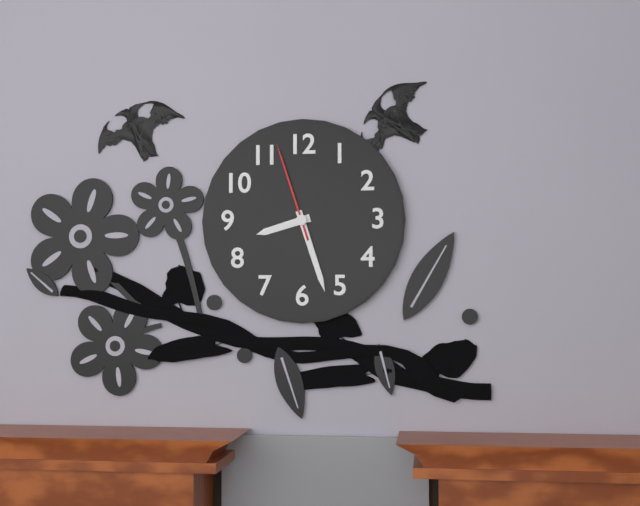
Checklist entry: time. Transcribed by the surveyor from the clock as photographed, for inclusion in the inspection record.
8:27:57
